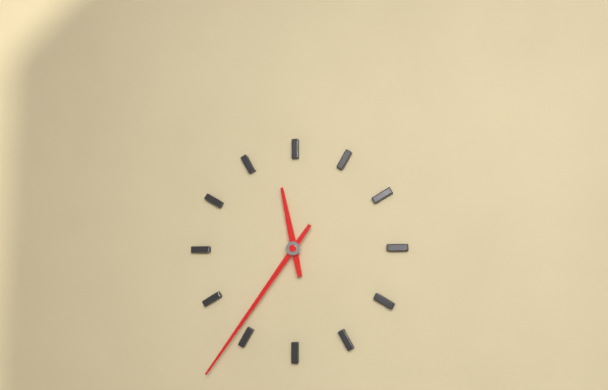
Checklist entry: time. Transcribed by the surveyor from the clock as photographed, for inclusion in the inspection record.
11:36
